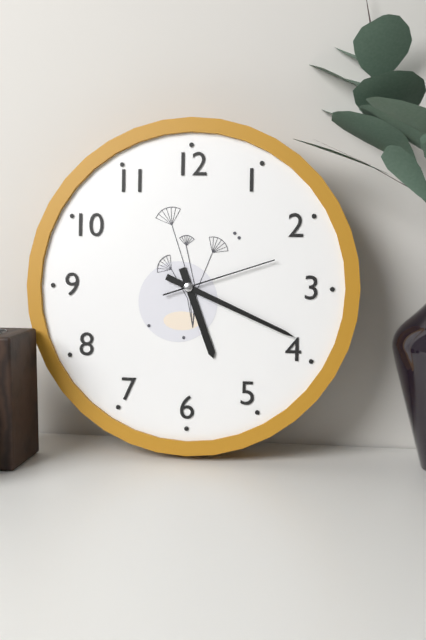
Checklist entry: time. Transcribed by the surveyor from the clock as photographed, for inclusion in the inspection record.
5:19:12
